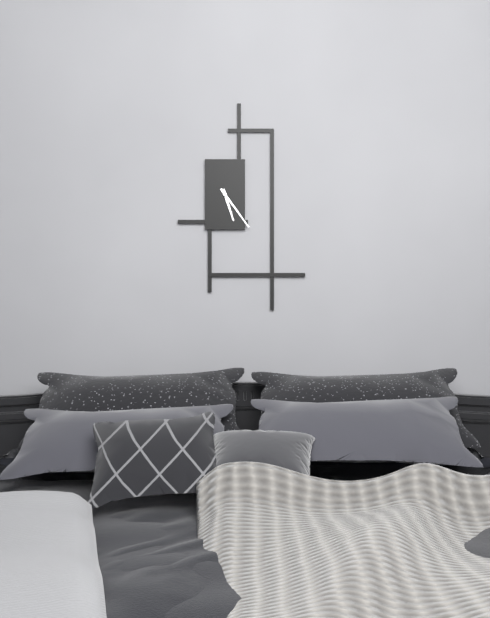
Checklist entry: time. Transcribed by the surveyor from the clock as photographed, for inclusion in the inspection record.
5:24
